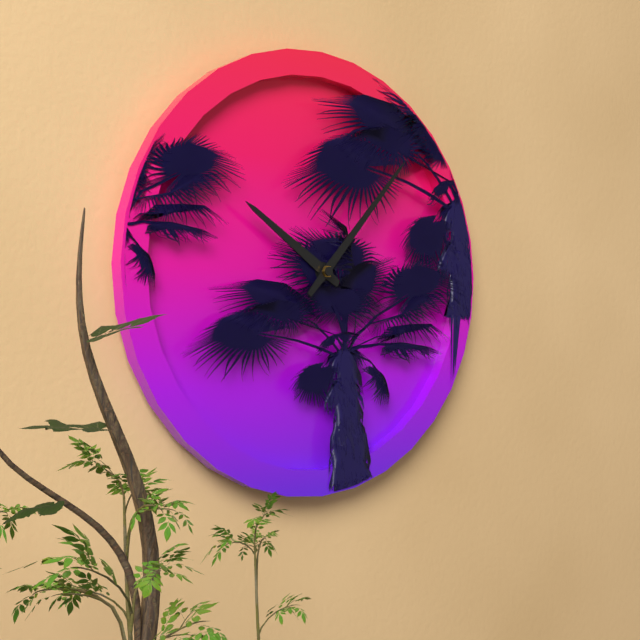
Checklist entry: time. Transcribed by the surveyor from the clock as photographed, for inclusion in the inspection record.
10:07
